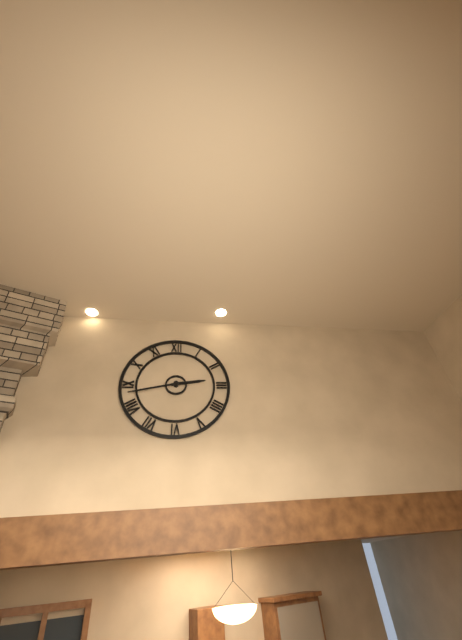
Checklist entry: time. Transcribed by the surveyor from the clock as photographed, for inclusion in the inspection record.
2:43
